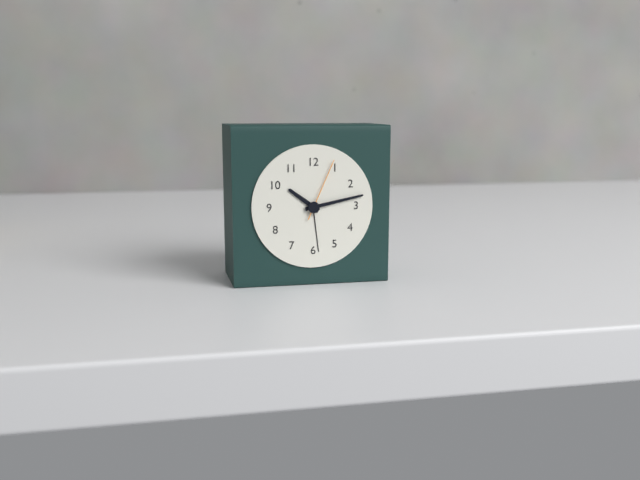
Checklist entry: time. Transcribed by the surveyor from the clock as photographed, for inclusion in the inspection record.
10:13:04
